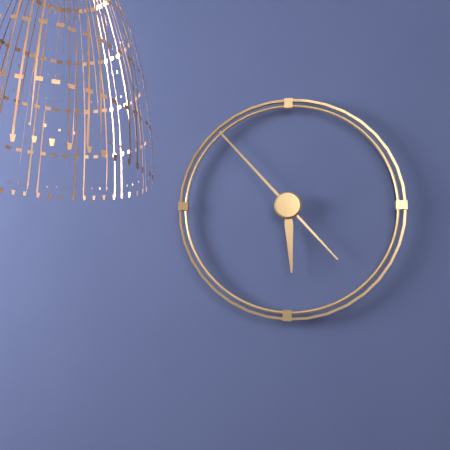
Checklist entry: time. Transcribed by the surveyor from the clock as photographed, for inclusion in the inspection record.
5:53
